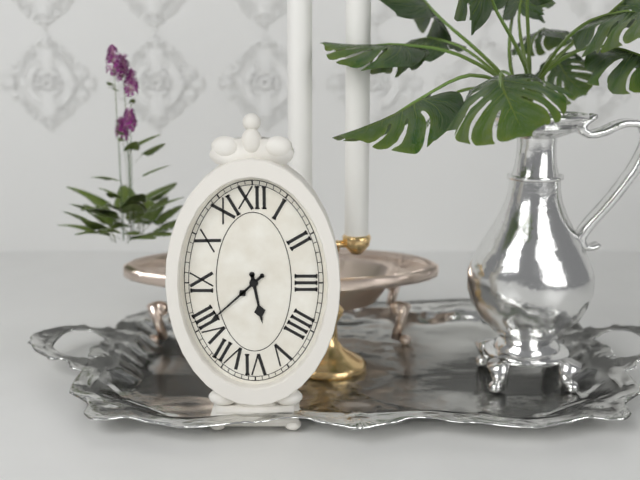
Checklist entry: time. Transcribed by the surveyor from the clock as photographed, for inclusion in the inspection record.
5:38
